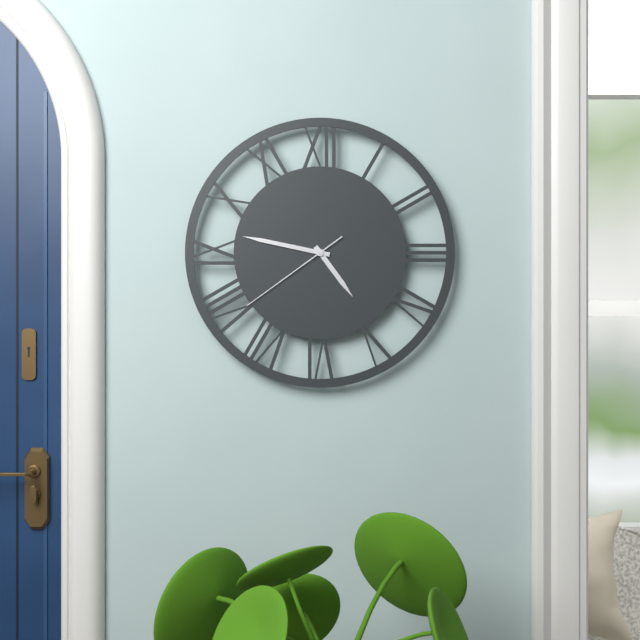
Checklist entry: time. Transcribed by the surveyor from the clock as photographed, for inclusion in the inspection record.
4:47:39
